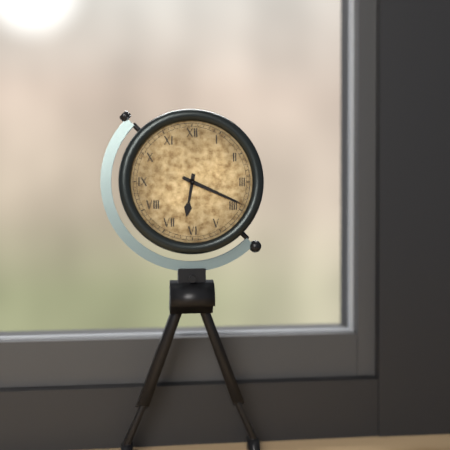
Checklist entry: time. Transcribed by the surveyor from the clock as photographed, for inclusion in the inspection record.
6:19
